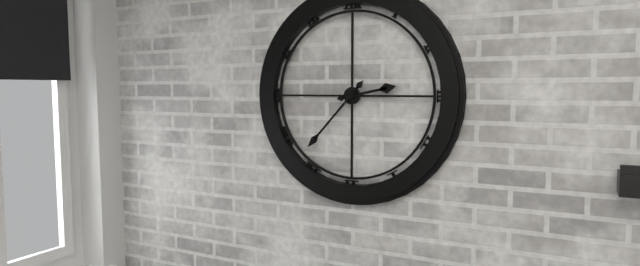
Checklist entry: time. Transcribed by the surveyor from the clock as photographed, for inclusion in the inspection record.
2:37
